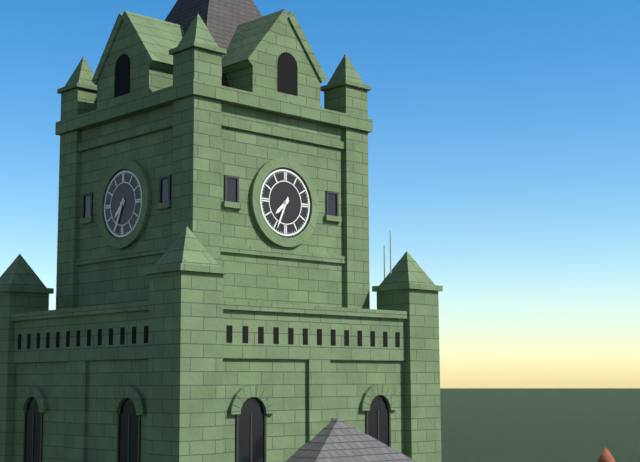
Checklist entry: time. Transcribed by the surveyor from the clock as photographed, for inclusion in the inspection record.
7:34
